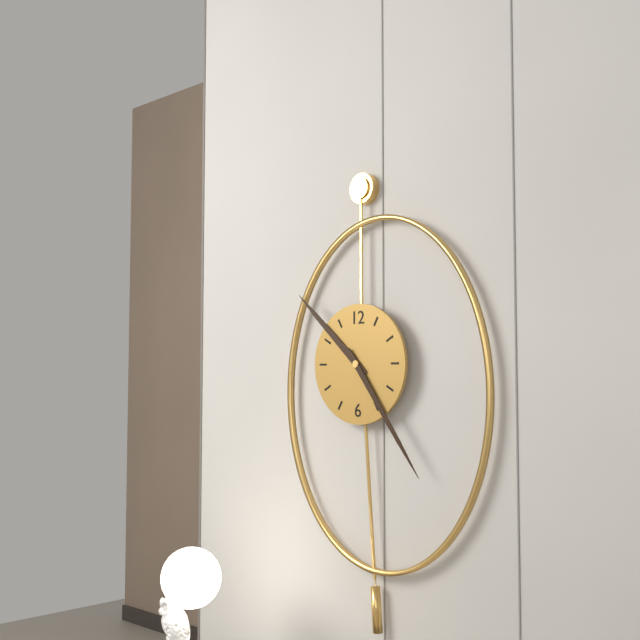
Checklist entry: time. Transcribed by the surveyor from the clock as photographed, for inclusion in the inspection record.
10:24
